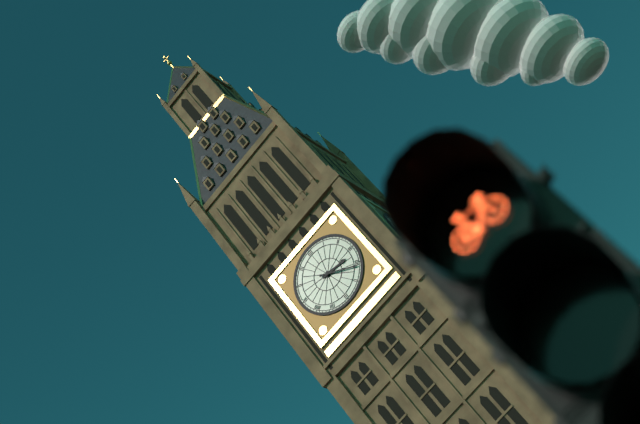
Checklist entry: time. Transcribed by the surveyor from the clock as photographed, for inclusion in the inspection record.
3:21
